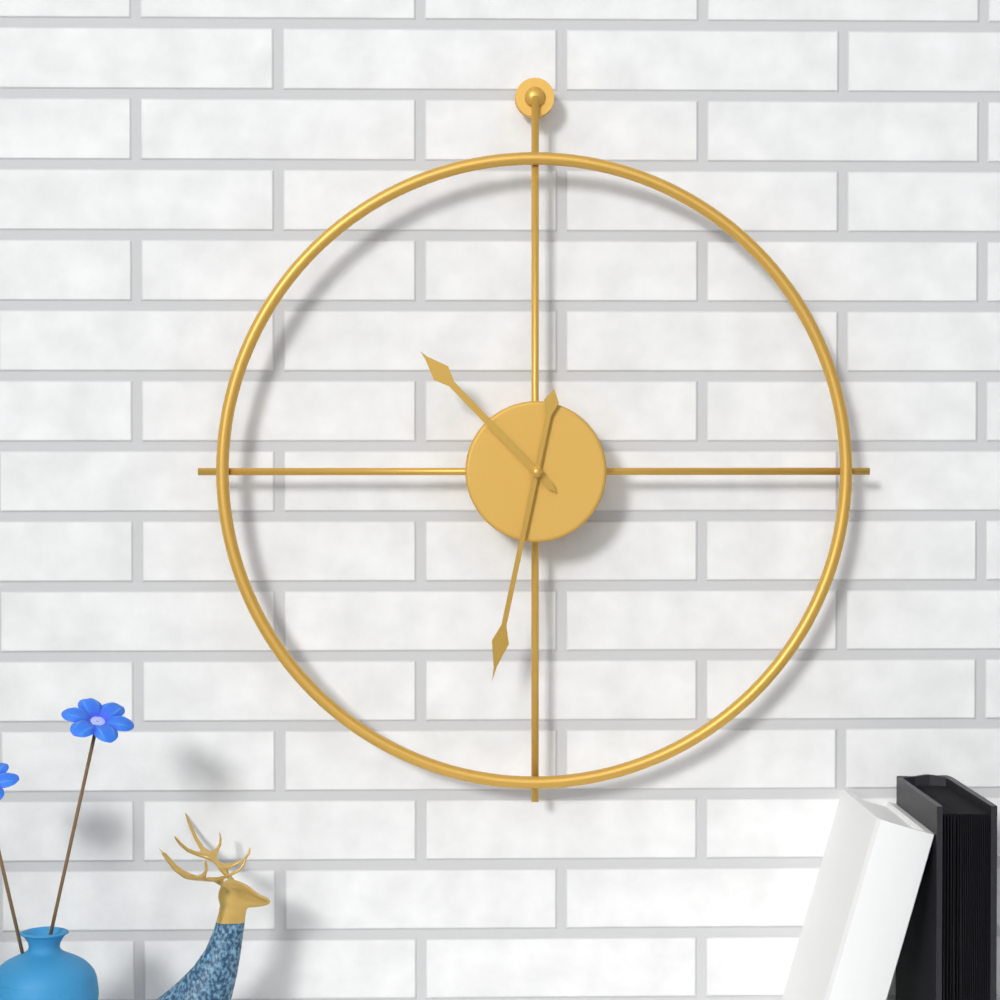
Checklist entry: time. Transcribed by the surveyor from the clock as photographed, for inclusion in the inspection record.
10:32
